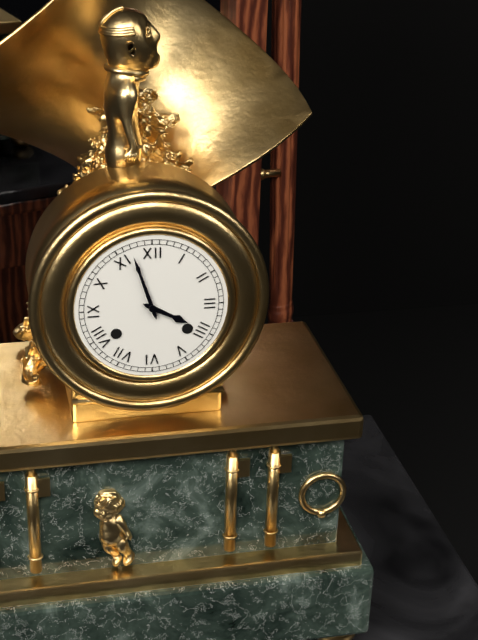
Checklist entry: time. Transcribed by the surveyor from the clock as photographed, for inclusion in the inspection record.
3:57
